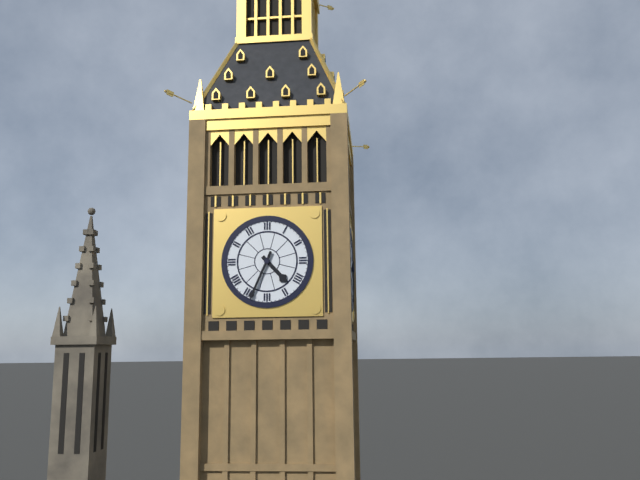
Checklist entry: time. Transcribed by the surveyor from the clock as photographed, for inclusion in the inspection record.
4:34
